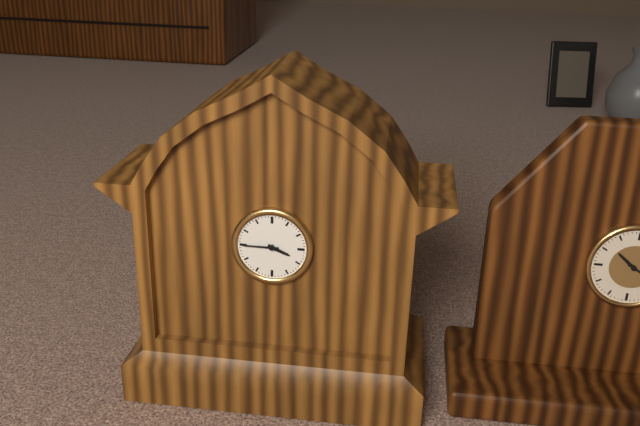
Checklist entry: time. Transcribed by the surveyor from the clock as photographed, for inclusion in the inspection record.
3:45
